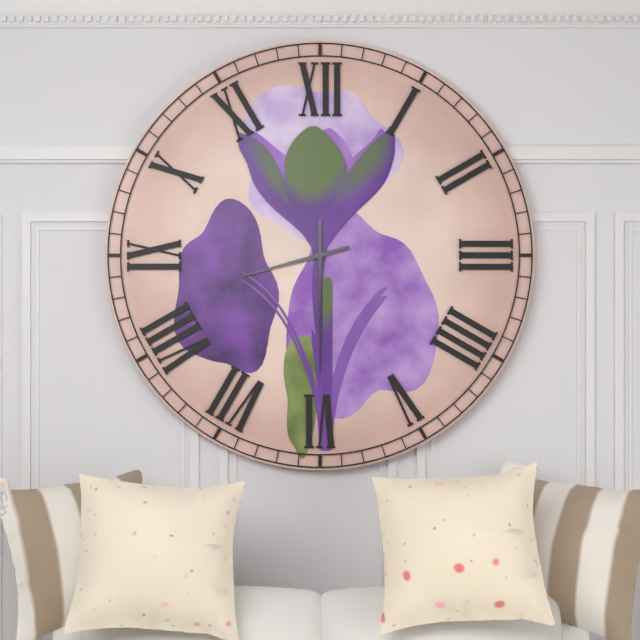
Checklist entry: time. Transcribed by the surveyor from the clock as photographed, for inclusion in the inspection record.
8:30
